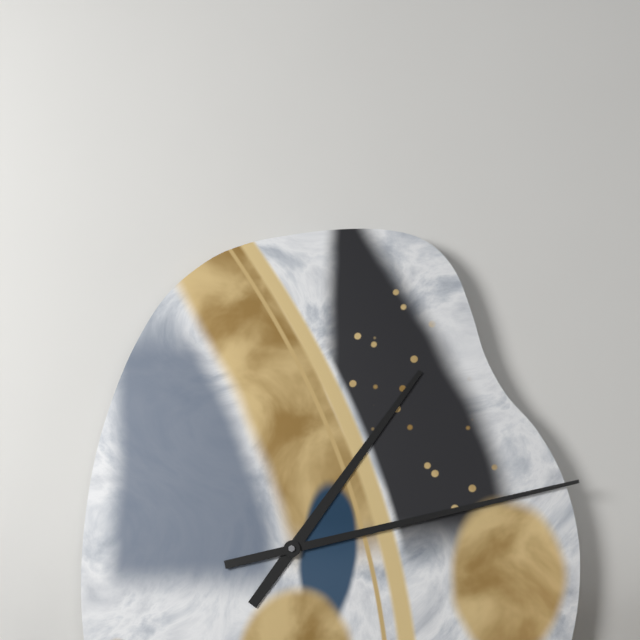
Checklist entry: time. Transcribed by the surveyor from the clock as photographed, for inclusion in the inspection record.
1:13
